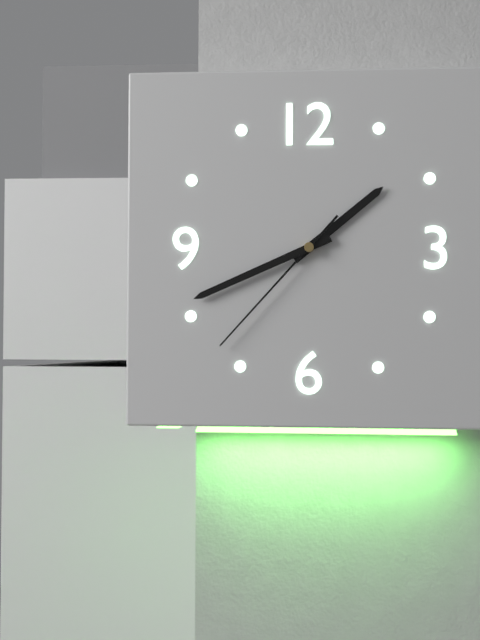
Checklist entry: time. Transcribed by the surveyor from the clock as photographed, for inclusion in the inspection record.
1:41:37
